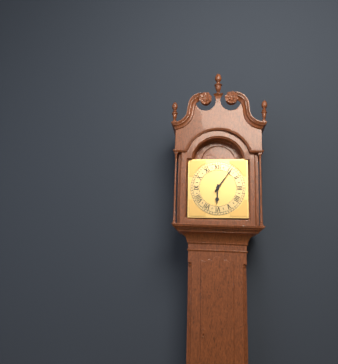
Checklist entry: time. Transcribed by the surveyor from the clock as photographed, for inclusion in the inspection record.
6:06
